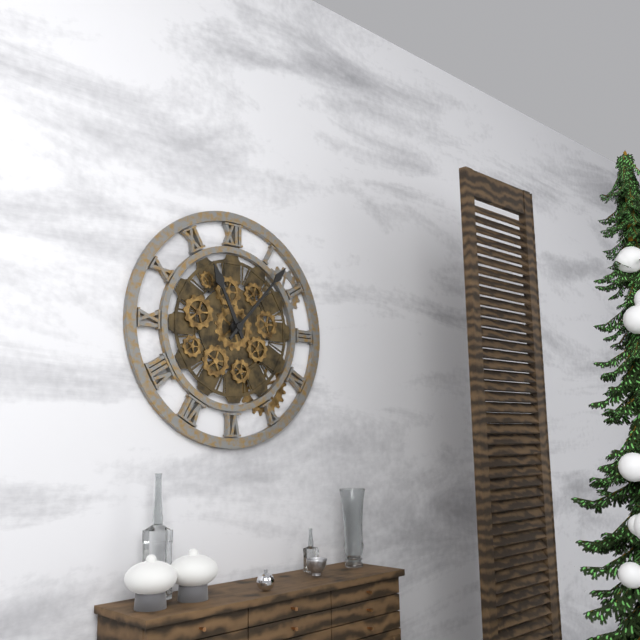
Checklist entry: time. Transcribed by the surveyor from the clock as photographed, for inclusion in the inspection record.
11:07
